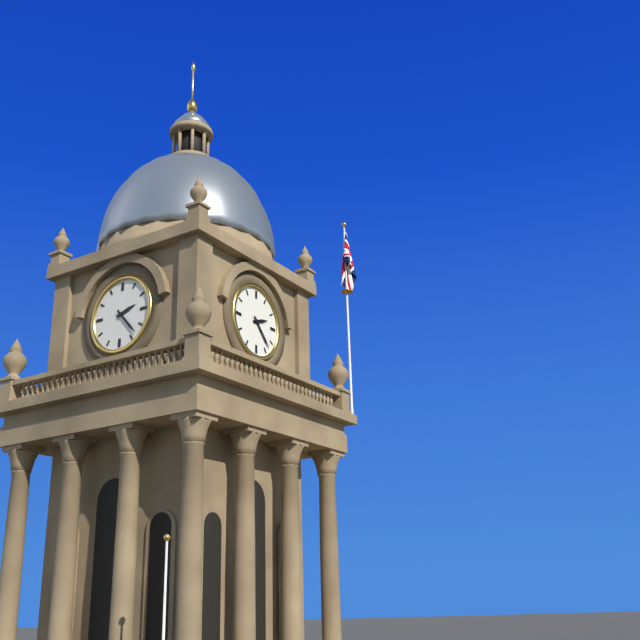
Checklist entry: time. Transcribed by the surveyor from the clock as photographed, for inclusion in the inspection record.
2:23
